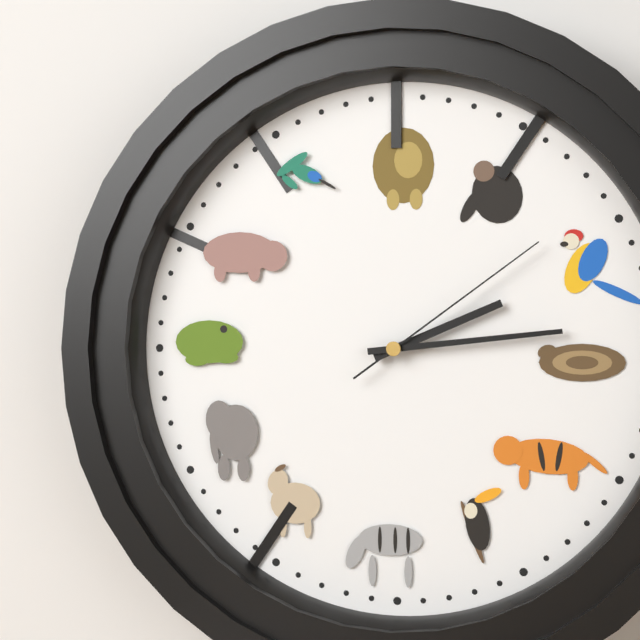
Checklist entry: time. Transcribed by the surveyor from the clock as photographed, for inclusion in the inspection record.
2:14:09
